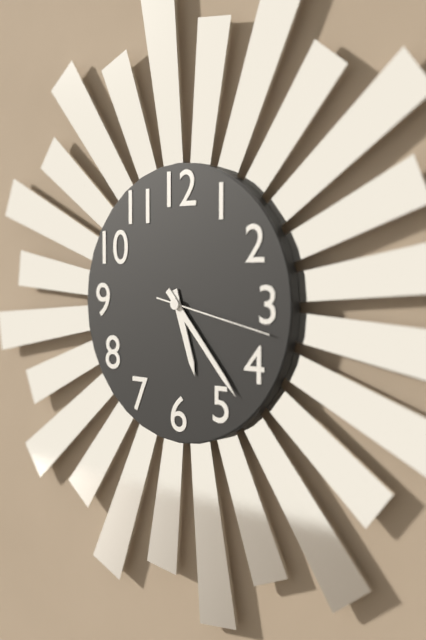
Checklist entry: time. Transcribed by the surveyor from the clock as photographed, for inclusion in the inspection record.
5:23:17
